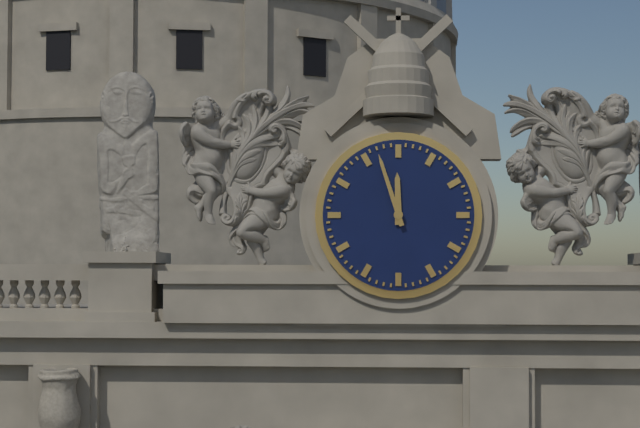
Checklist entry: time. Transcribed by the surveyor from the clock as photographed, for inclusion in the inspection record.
11:57
